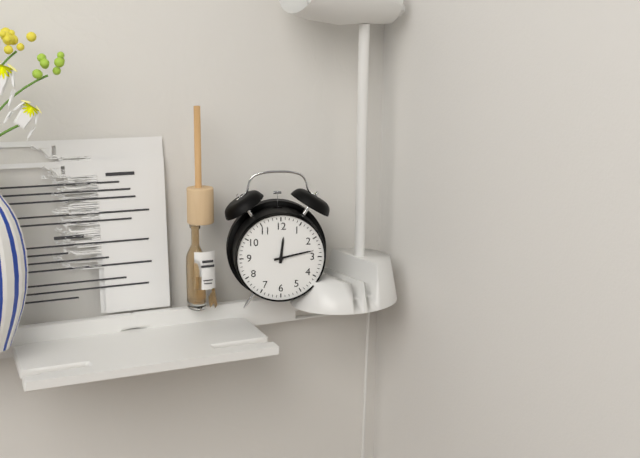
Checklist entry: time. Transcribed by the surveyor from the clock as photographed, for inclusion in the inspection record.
12:13
